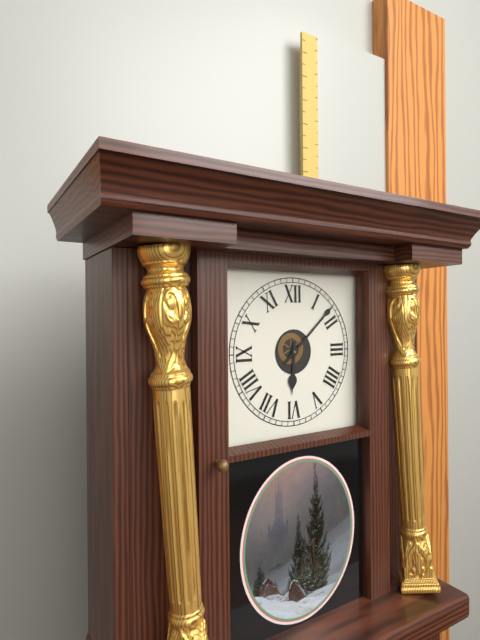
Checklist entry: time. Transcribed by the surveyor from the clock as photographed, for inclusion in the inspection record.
6:08
